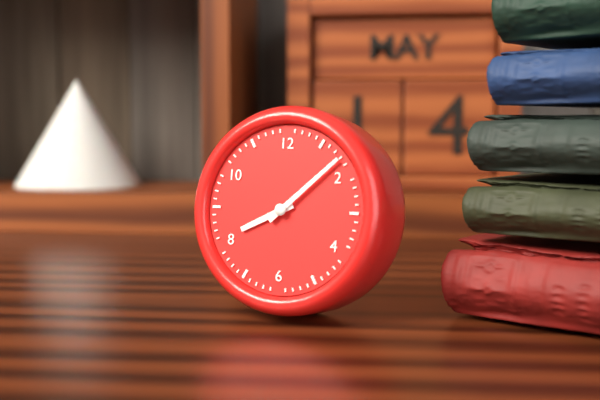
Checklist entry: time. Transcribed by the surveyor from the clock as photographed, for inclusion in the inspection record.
8:08
